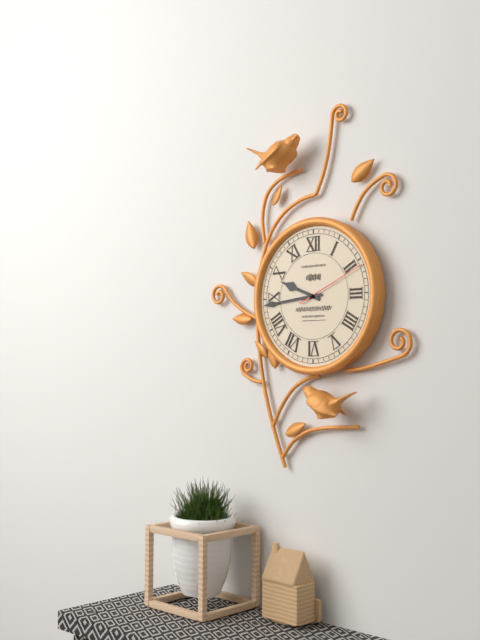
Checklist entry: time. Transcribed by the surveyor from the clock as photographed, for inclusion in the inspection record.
9:44:11
